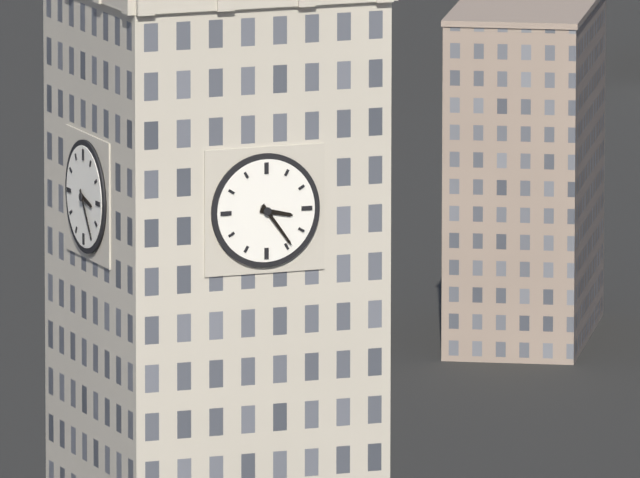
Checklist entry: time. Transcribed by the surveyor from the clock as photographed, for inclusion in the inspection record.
3:24
